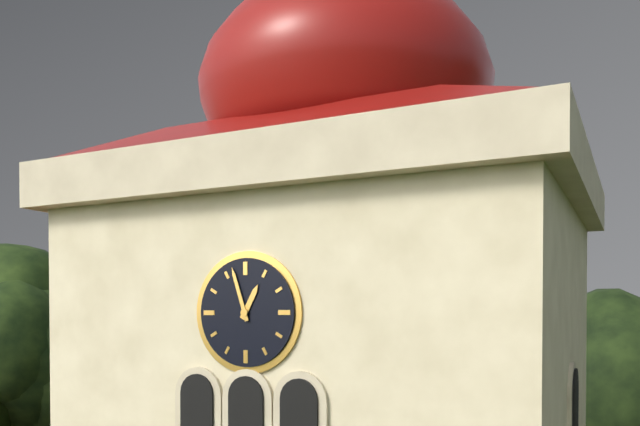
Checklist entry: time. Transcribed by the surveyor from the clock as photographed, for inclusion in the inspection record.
12:57
